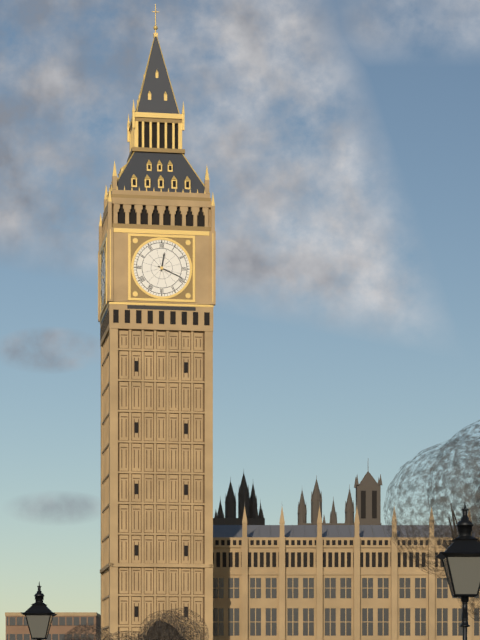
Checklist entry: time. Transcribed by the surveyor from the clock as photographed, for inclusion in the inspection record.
12:19
